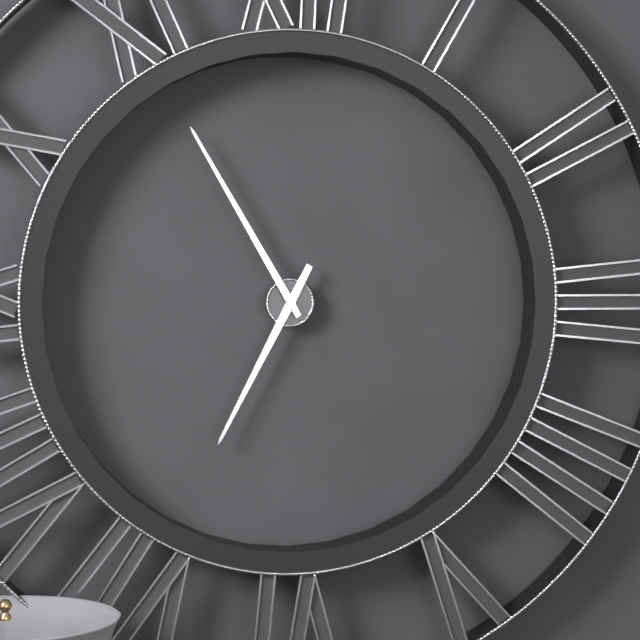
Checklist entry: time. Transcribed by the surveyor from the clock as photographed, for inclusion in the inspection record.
6:55
